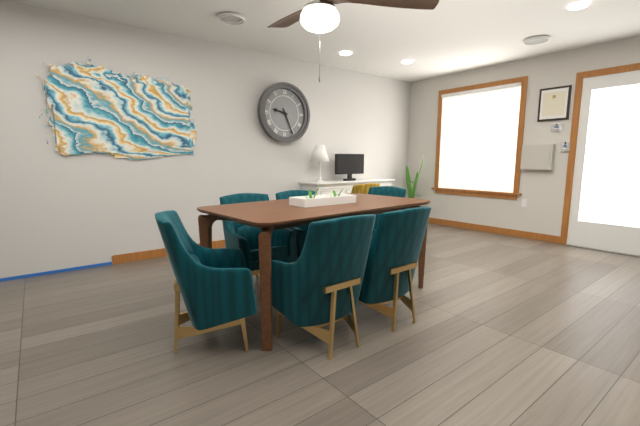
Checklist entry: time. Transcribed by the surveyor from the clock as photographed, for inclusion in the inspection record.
9:26
